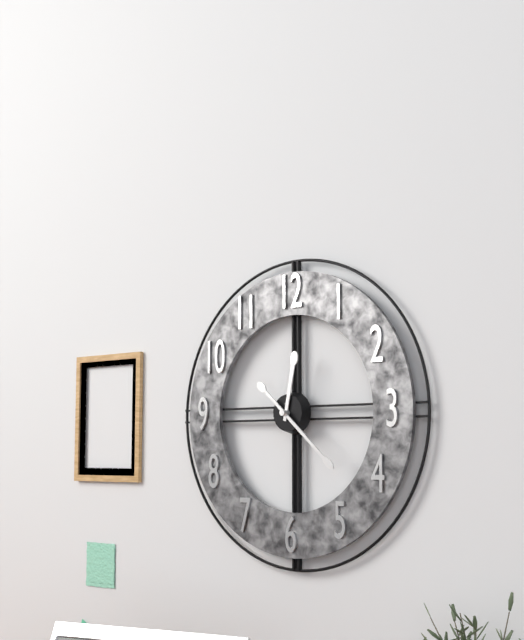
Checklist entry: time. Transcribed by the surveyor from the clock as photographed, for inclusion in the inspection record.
12:22
